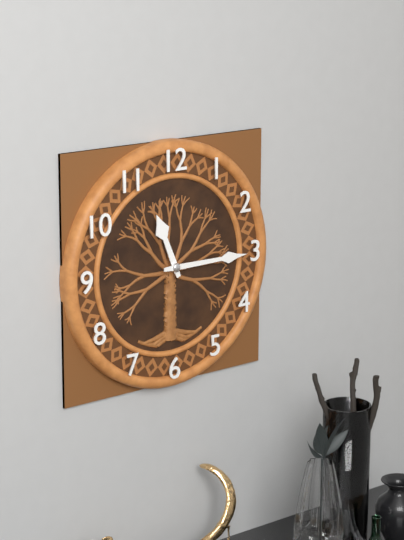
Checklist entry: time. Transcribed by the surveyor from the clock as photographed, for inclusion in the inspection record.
11:15
